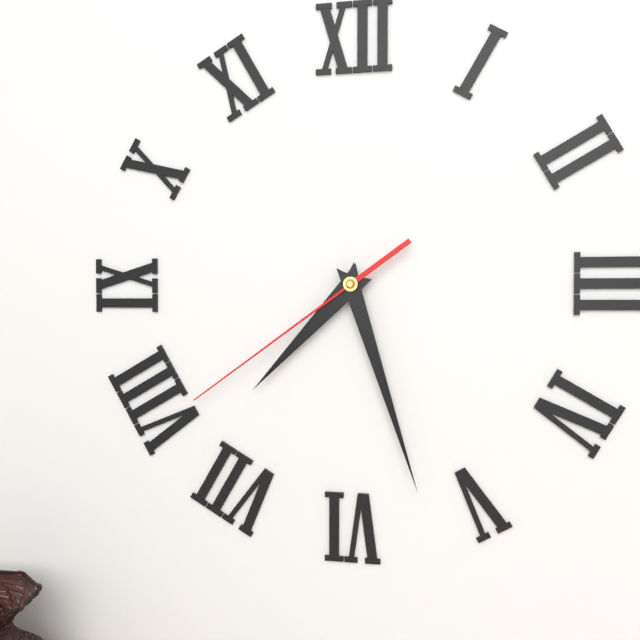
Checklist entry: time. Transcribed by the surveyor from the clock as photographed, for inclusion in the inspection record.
7:27:39
